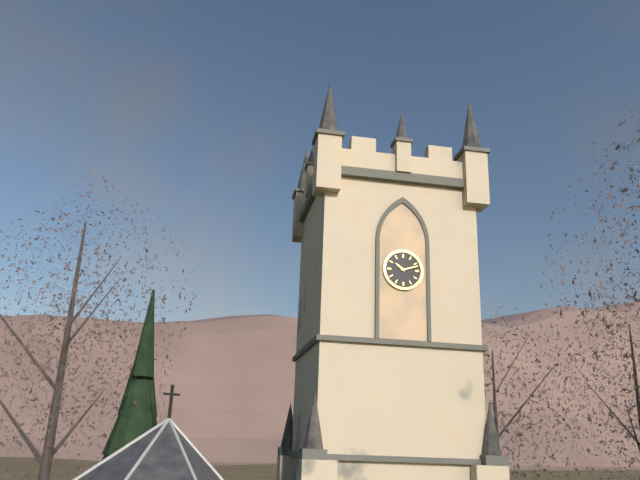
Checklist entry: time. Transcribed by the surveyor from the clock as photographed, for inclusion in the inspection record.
10:12
